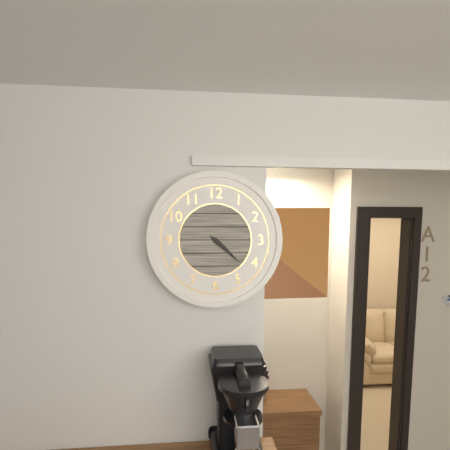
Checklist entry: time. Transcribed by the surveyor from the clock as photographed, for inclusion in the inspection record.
4:22
